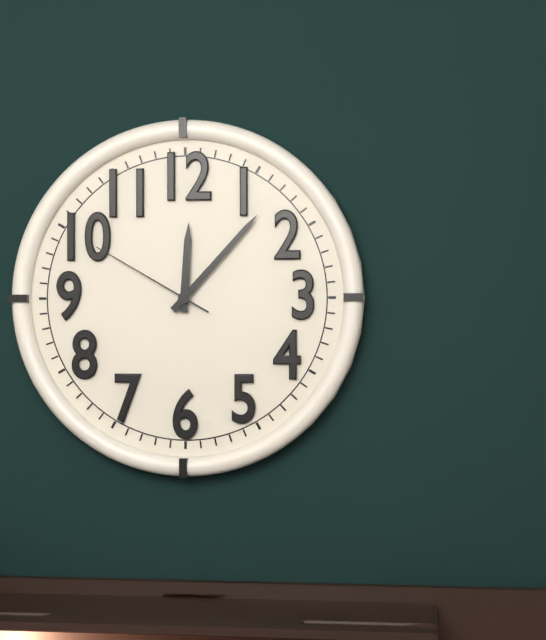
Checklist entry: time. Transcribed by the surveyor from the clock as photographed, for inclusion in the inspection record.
12:07:50
